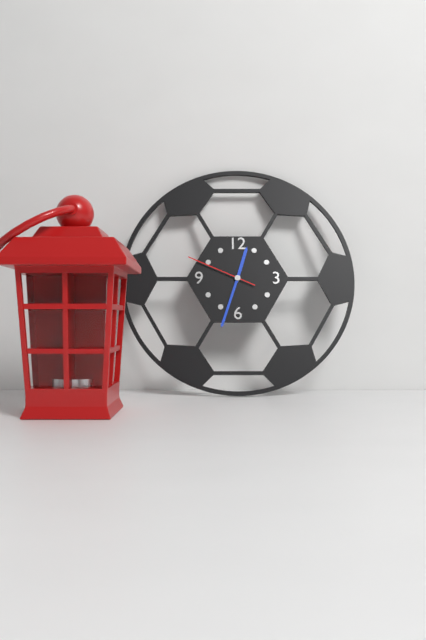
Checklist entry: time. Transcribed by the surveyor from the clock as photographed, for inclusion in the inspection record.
12:33:49
